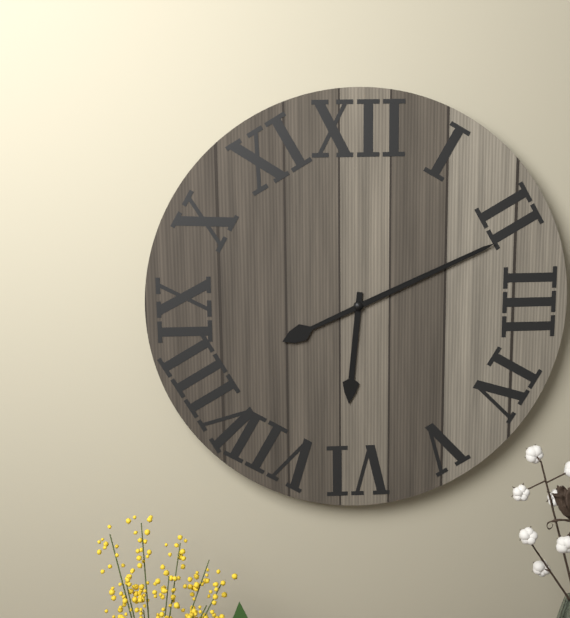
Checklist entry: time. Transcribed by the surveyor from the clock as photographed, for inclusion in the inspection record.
6:11
